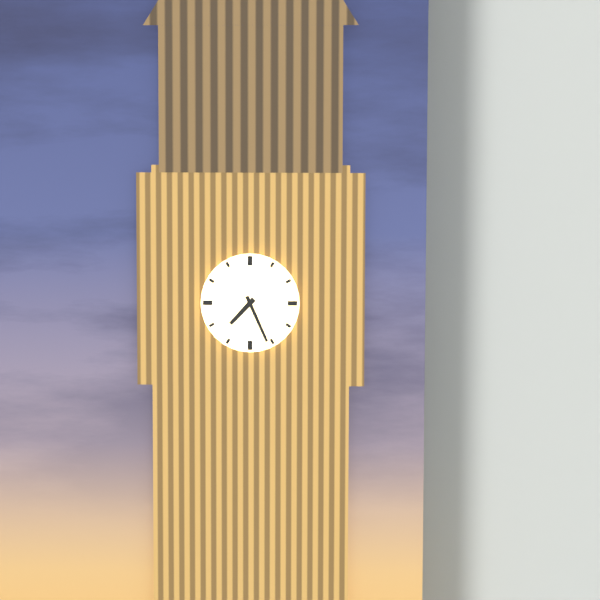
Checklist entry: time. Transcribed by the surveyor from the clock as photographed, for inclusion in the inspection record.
7:26
